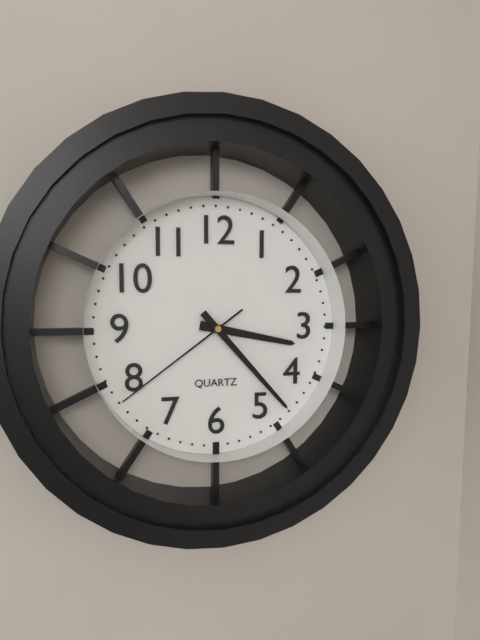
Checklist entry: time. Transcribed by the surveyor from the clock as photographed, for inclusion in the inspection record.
3:23:39
